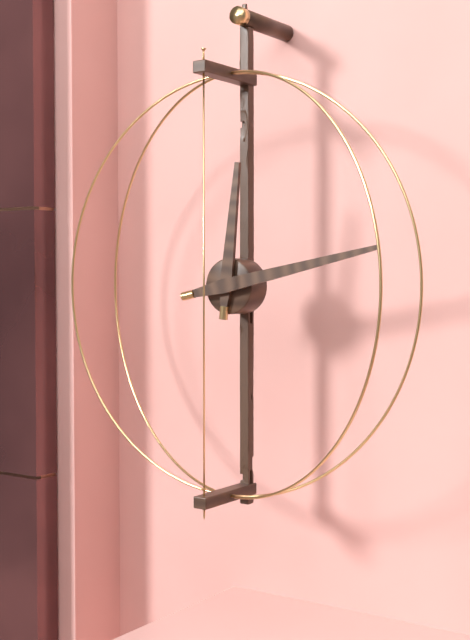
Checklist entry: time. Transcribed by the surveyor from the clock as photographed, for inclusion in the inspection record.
12:13
